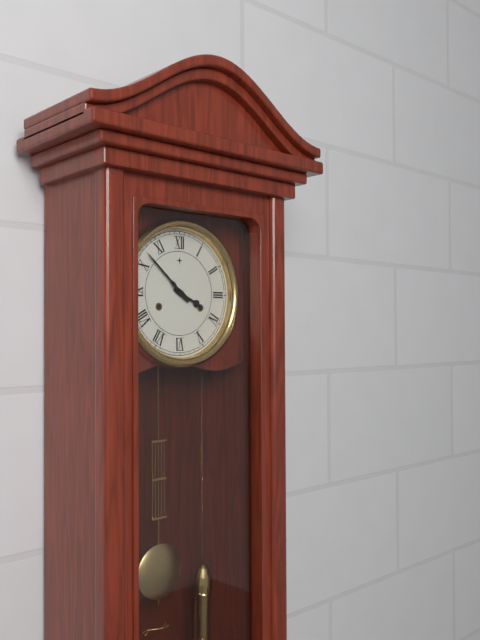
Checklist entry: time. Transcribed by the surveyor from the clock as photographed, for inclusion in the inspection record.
3:52
